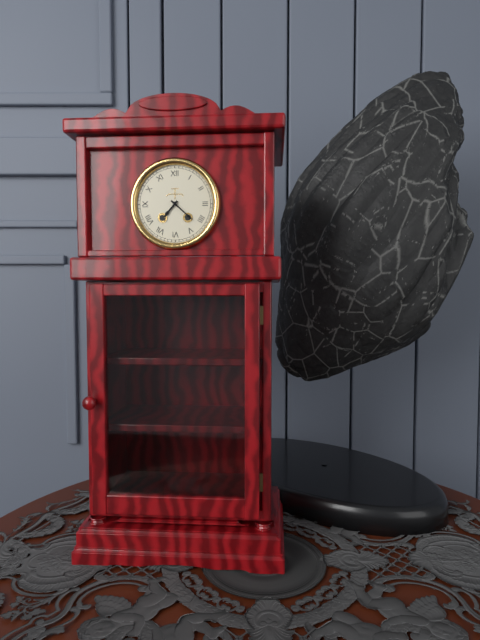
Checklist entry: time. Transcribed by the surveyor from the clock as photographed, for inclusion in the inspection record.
7:22
